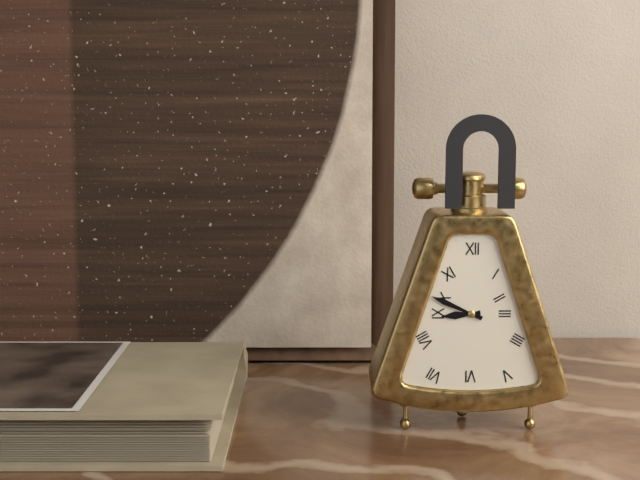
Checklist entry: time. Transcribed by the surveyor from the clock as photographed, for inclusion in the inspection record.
8:49
